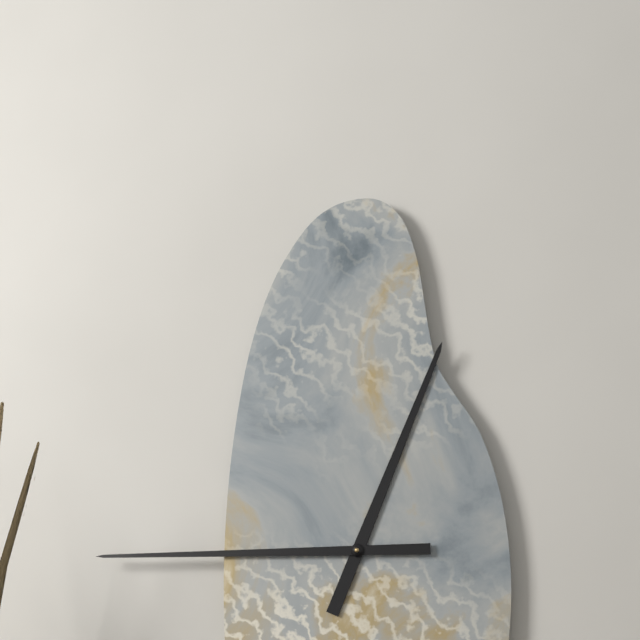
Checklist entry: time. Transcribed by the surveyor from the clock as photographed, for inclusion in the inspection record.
12:45
